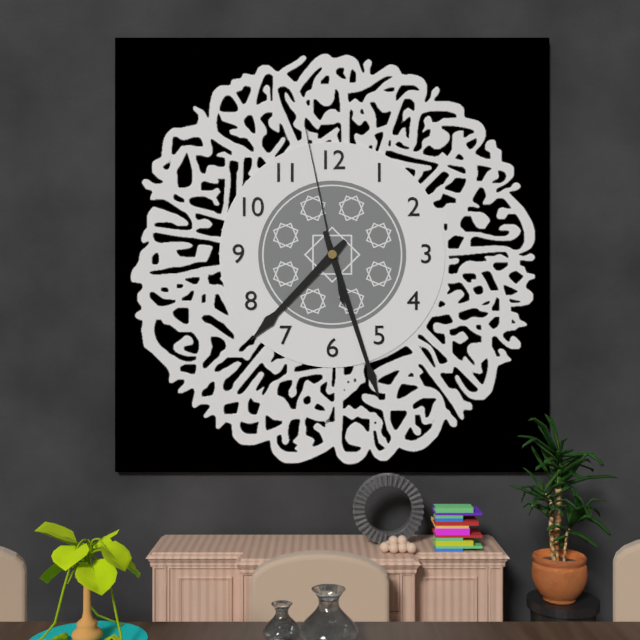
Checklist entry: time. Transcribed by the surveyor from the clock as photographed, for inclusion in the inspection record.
7:27:58
